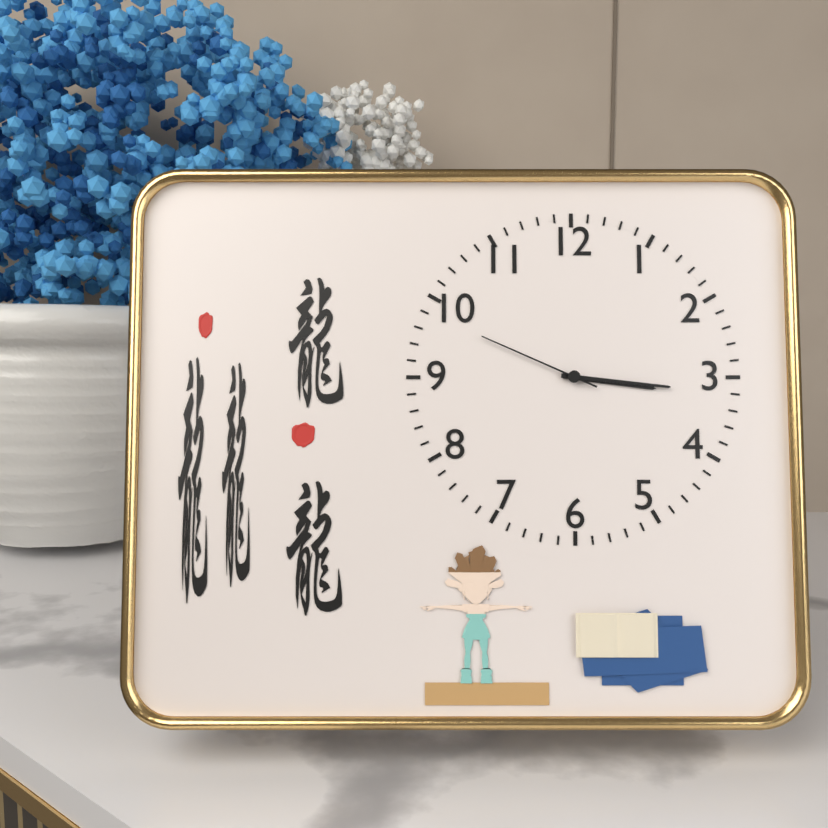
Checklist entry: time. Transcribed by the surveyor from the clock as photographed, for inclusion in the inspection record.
3:16:49
